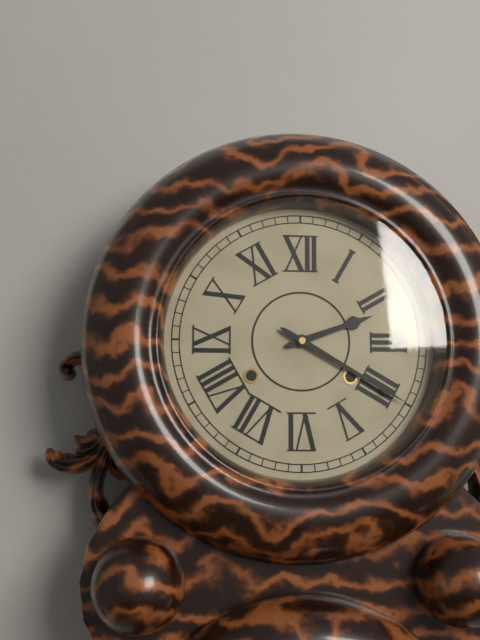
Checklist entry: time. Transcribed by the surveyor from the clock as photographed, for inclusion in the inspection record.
2:20
